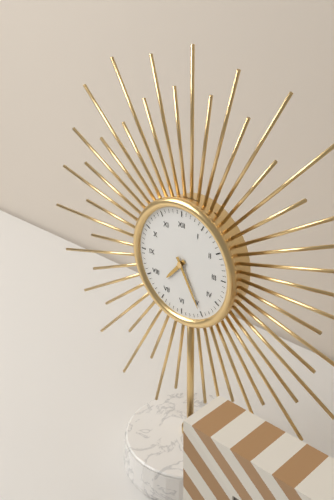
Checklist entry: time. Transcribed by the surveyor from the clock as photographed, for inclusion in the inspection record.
7:25
